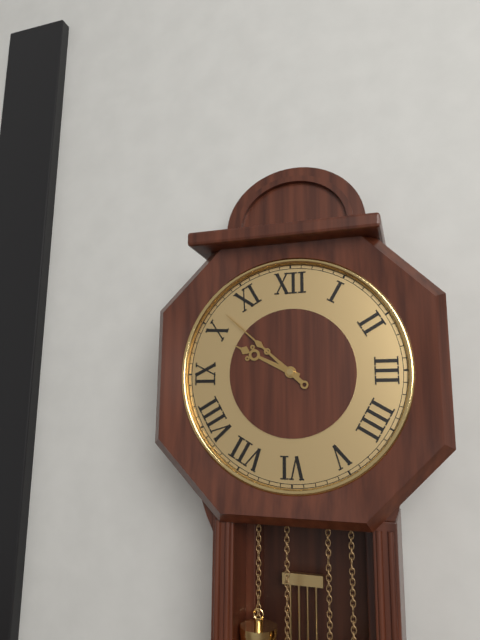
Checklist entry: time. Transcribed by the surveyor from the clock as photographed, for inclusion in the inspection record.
9:52
